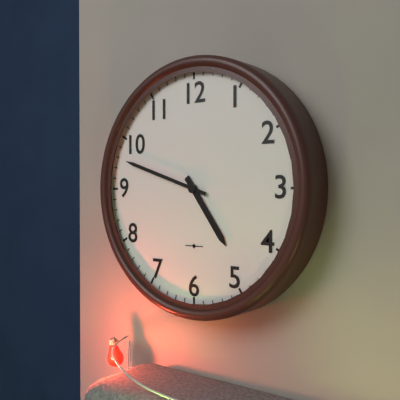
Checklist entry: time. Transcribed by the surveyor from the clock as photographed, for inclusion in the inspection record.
4:48
